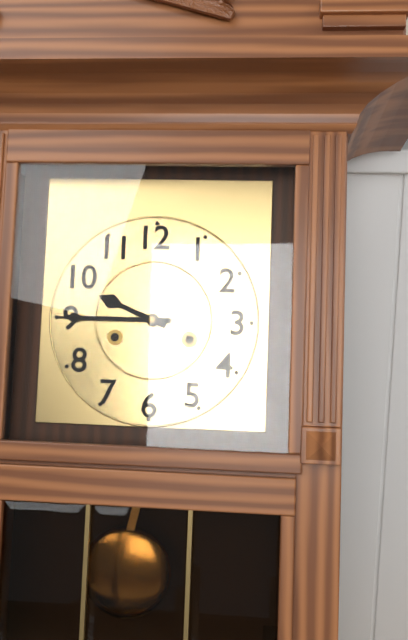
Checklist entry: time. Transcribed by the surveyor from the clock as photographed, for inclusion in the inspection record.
9:45
